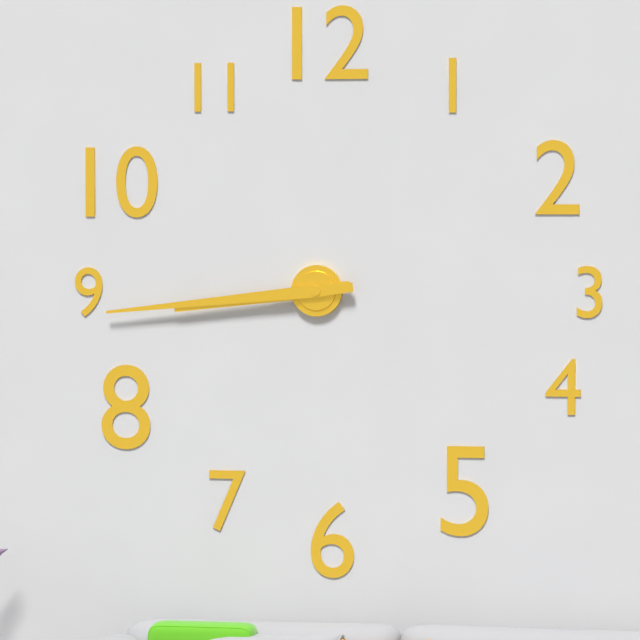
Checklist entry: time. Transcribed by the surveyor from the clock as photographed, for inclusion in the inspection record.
8:44
